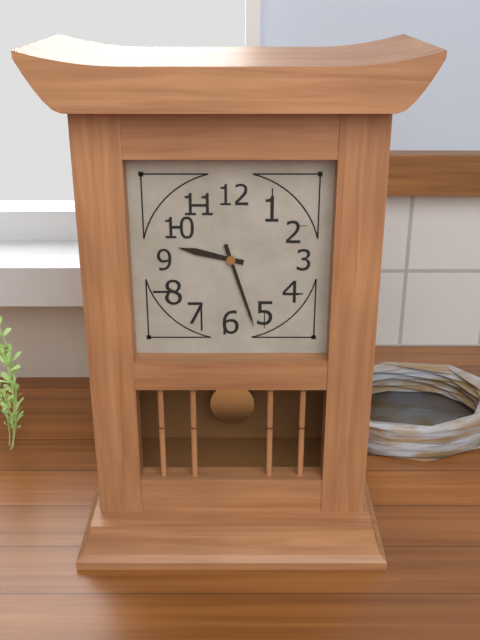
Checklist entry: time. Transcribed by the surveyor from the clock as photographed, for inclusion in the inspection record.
9:27
